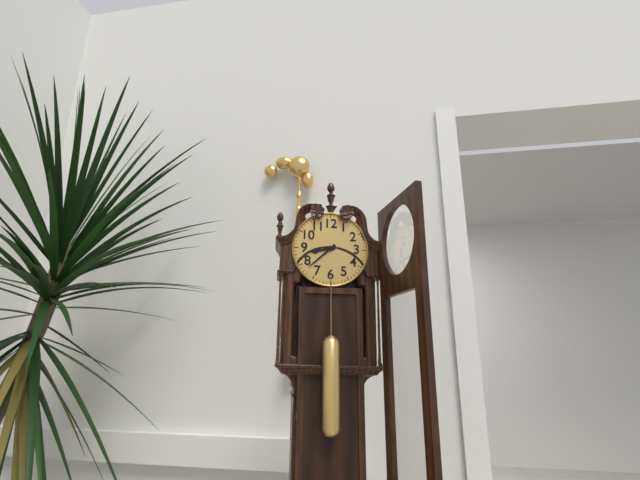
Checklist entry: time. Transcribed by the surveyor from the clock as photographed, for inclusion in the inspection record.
8:38
